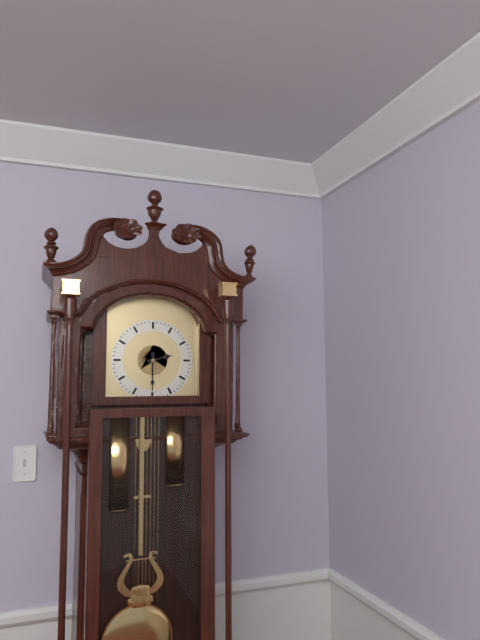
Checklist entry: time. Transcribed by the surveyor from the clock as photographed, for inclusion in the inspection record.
2:30
